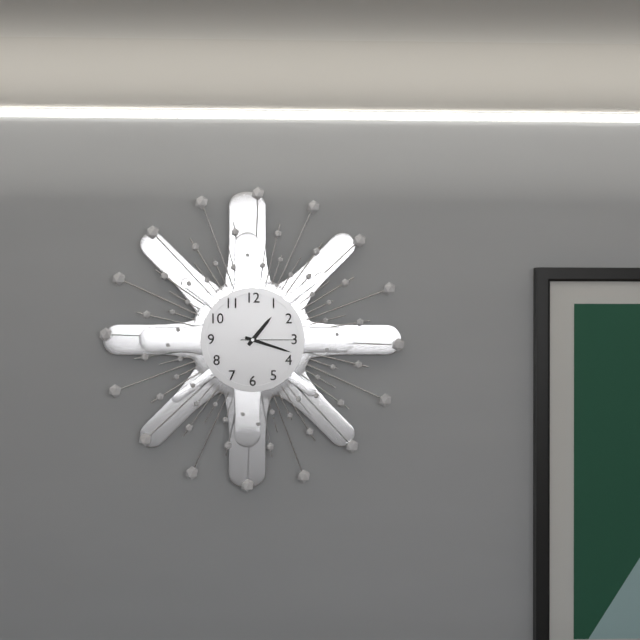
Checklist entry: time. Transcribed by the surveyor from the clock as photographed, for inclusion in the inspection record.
1:18:15
